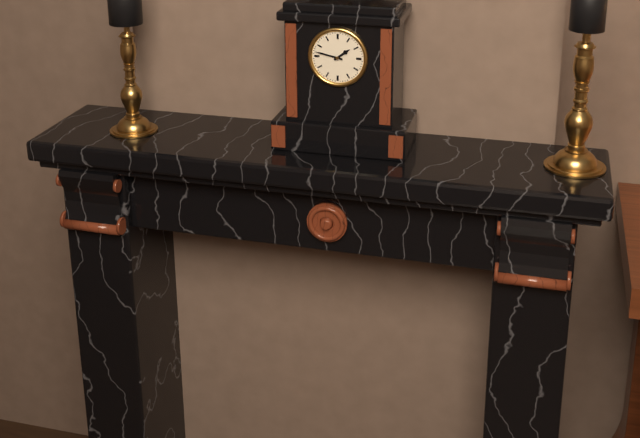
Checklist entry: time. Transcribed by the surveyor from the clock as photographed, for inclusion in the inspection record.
1:47
